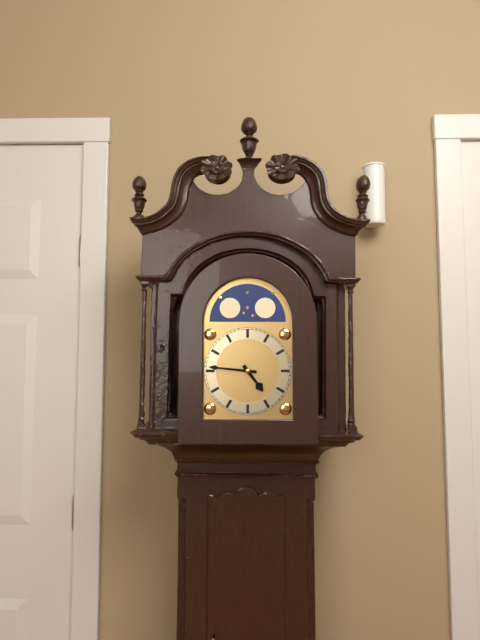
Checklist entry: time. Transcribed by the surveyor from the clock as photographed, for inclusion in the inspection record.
4:46
